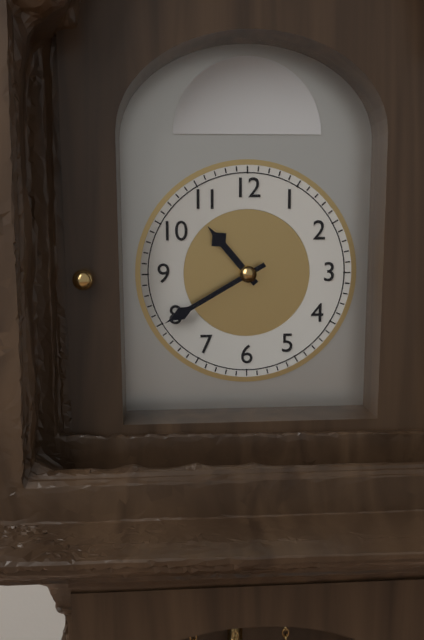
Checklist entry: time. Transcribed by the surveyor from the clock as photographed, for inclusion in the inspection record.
10:40
